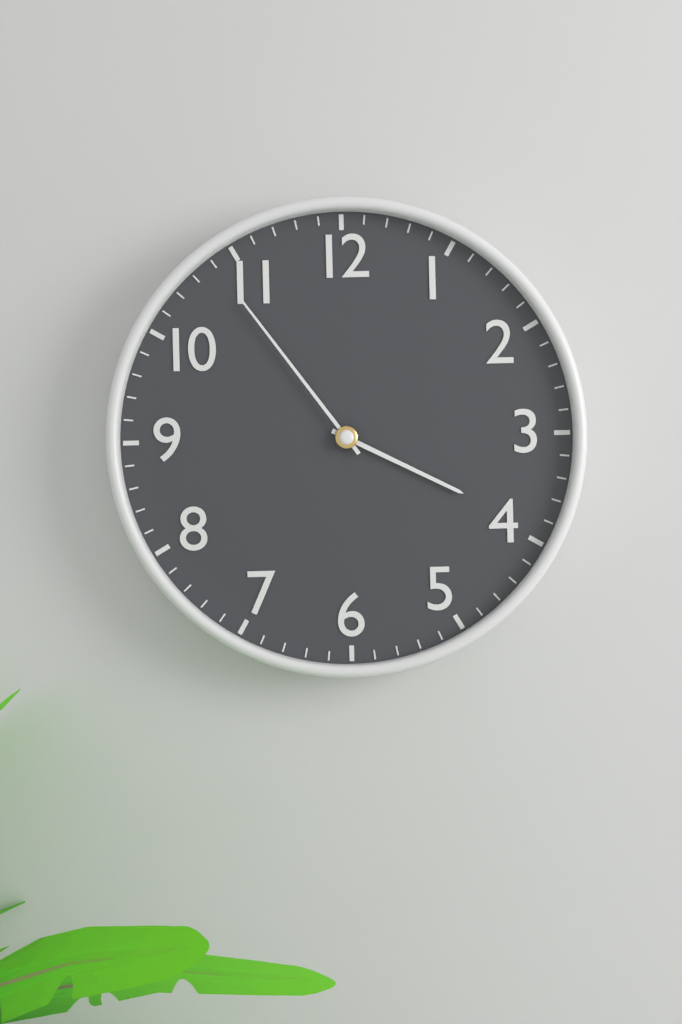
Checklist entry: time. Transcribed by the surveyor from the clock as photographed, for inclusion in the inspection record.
3:54
